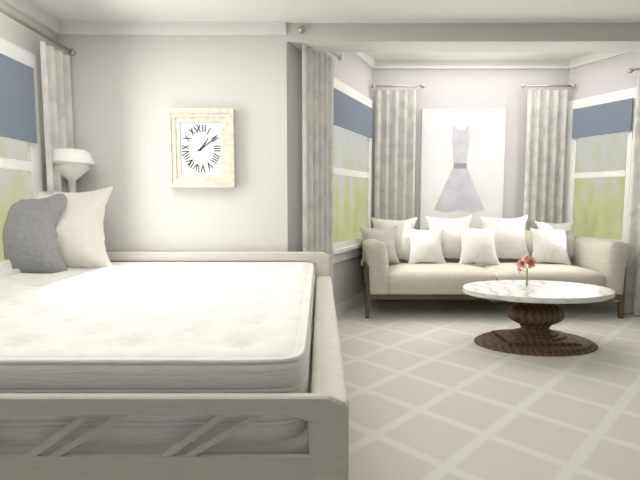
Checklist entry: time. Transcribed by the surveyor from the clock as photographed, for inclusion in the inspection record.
1:09
